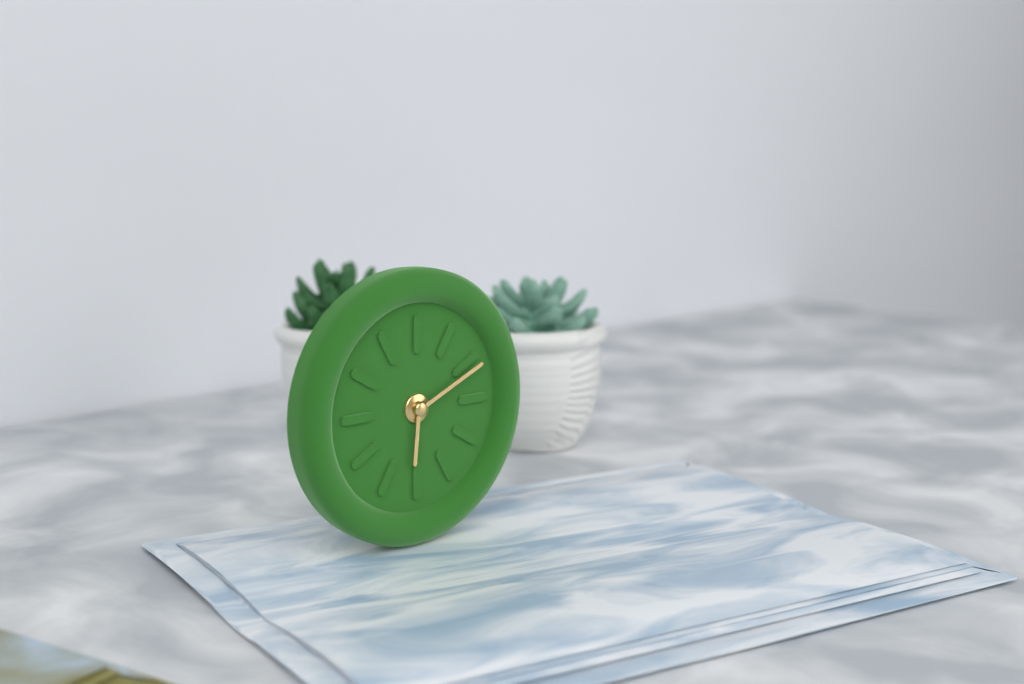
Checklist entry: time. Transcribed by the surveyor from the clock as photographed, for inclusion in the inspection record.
6:11
